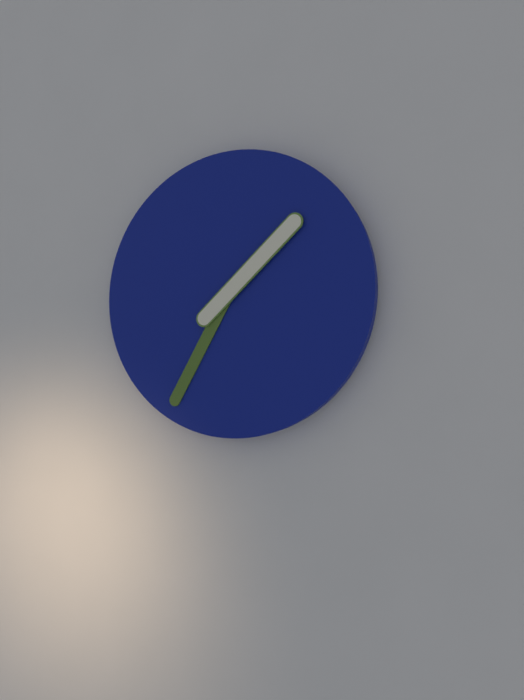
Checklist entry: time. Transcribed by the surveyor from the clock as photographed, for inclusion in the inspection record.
1:35
